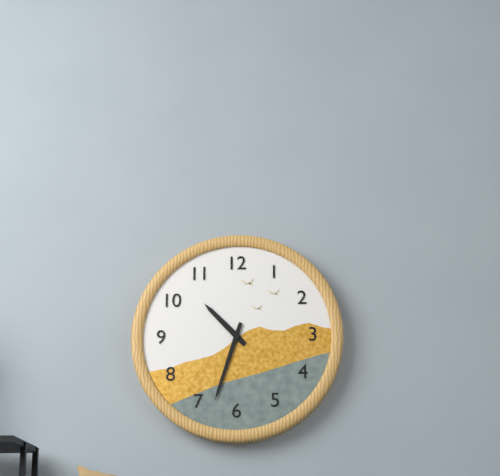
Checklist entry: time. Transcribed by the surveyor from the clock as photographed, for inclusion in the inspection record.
10:33
